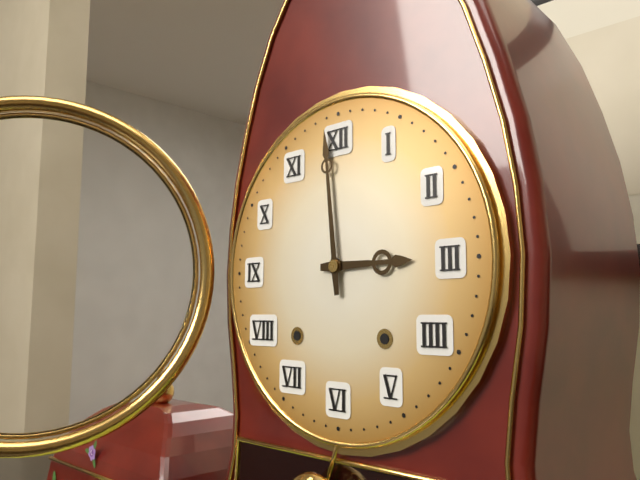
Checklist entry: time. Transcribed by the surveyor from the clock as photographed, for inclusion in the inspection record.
2:59
